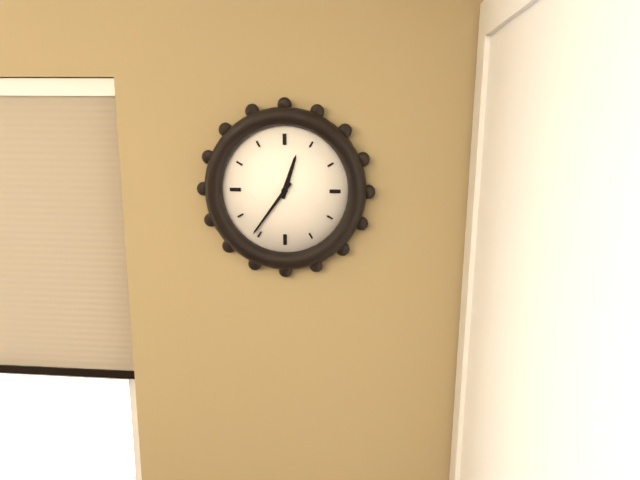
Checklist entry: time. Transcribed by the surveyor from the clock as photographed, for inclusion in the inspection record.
12:36
